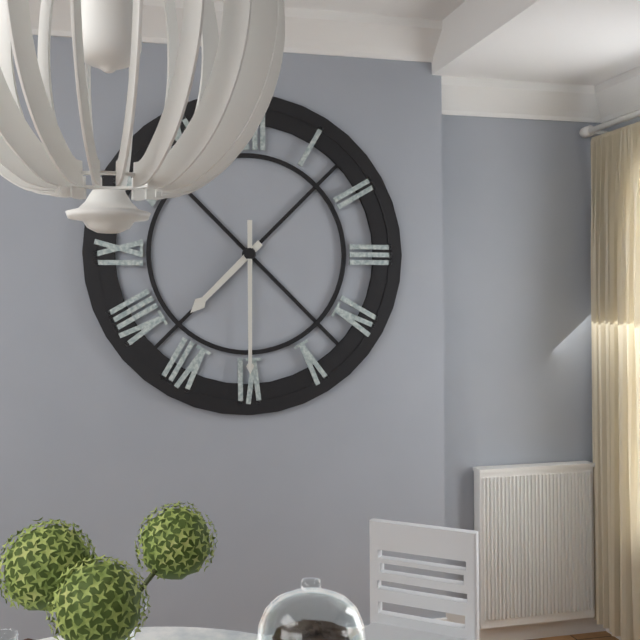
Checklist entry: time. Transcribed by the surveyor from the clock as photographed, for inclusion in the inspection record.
7:30
